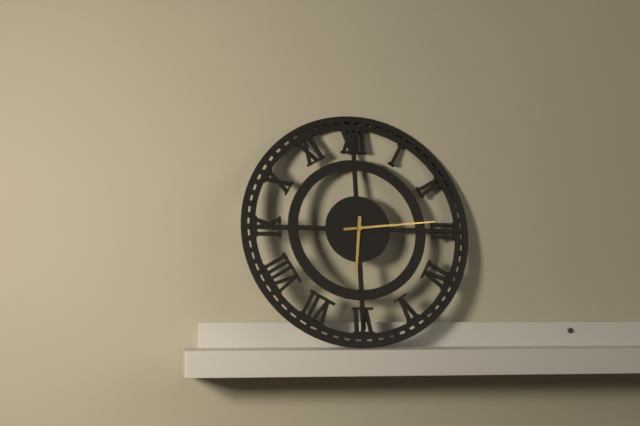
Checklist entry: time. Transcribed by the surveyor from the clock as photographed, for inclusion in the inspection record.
6:14
